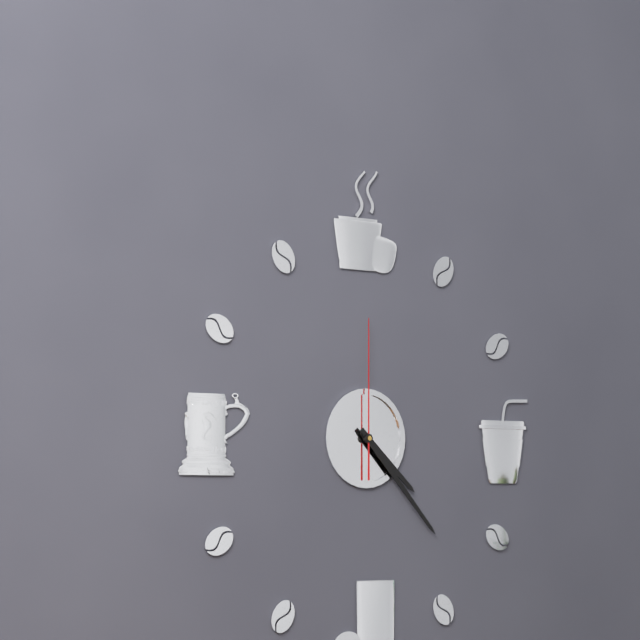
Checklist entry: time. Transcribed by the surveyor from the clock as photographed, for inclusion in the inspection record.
4:23:00
